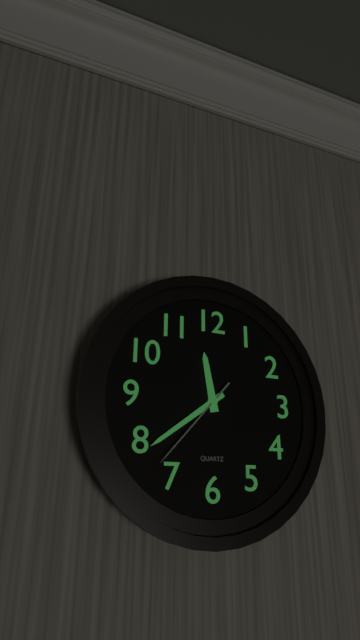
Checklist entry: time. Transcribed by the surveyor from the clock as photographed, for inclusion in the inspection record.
11:39:37
